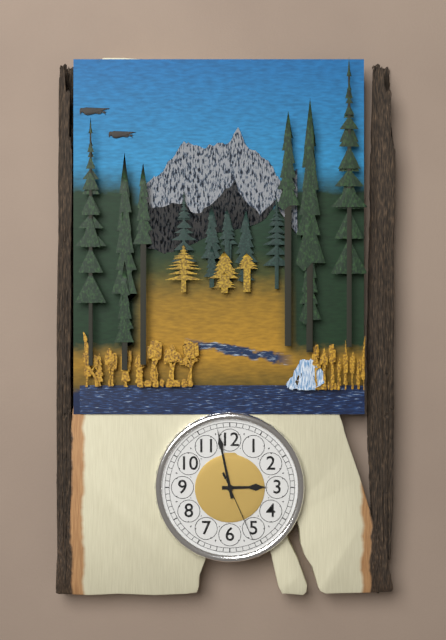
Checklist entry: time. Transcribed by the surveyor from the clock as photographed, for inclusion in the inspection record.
2:58:26
